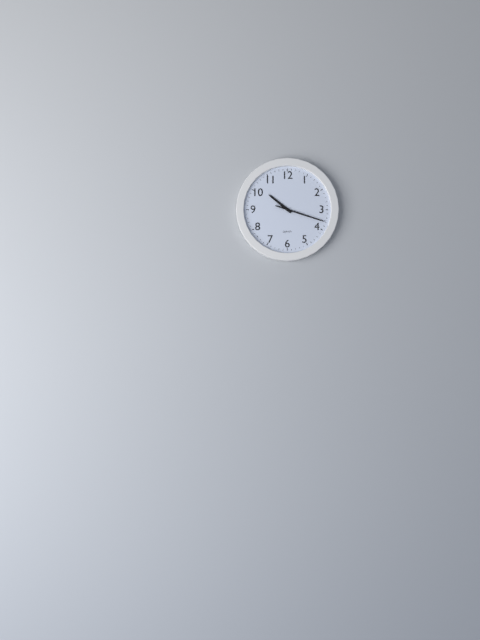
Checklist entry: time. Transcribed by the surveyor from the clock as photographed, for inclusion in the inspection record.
10:18
